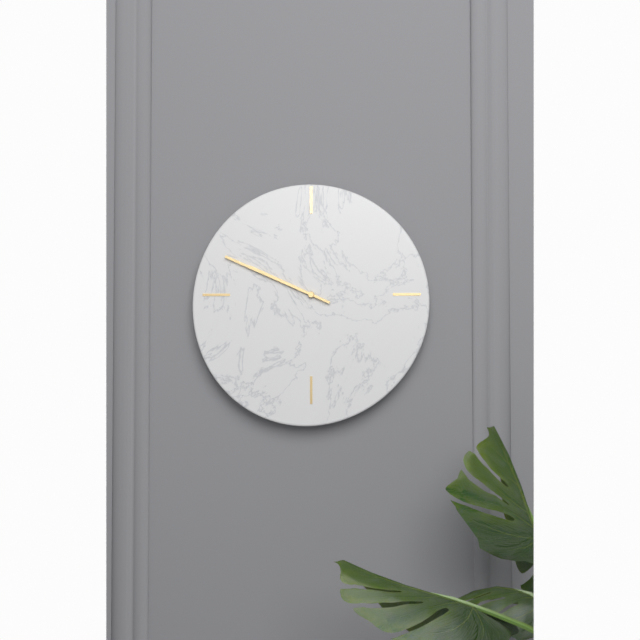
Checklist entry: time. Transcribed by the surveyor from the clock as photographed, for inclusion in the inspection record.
9:49
